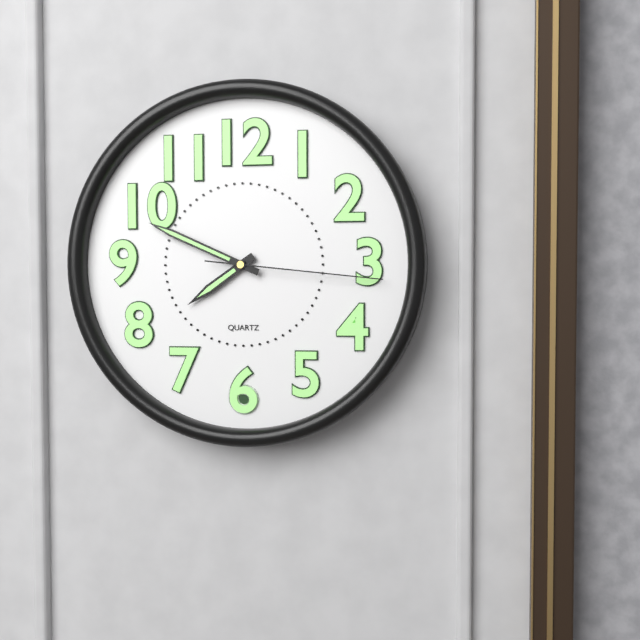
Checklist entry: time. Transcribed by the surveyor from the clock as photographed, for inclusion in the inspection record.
7:49:16
